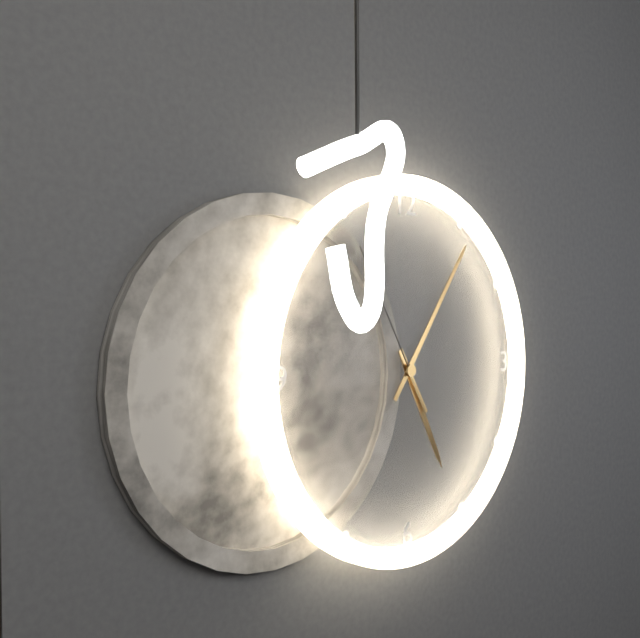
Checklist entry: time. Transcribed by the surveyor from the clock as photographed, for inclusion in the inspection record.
5:06:55
